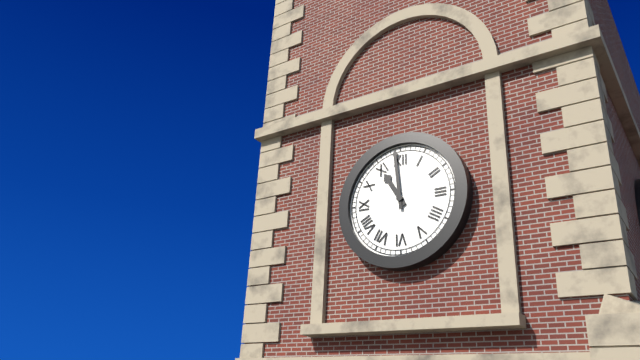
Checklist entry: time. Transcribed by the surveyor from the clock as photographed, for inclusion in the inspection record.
10:59
